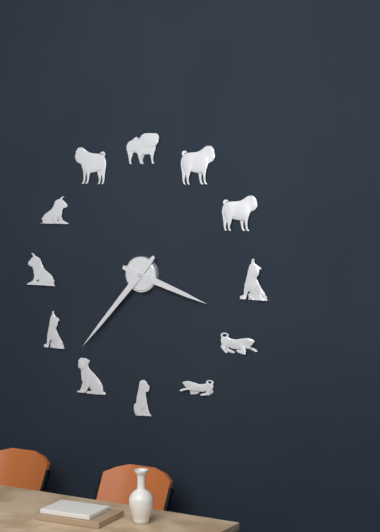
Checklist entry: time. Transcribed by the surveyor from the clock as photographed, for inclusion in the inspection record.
3:37
